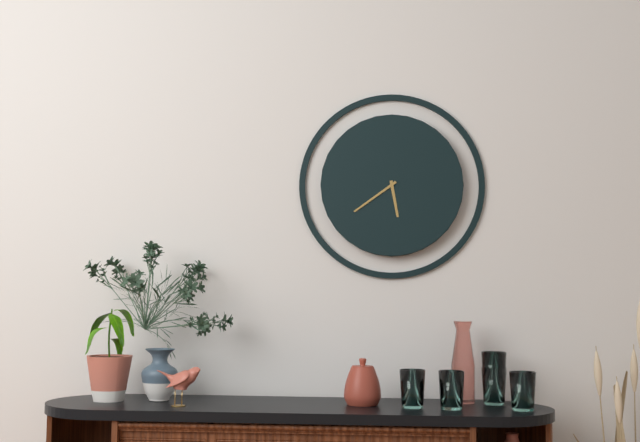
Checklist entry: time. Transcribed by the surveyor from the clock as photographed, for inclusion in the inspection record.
5:39
